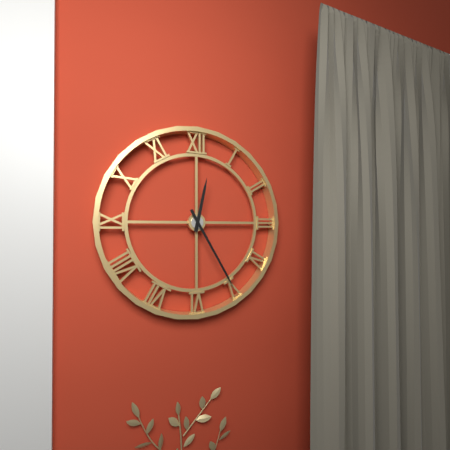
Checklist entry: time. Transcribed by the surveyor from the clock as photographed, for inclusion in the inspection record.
12:25
